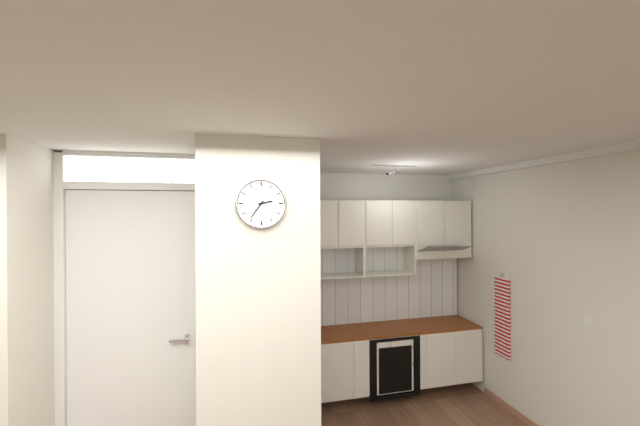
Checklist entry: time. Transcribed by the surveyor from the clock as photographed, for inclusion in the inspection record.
2:36
